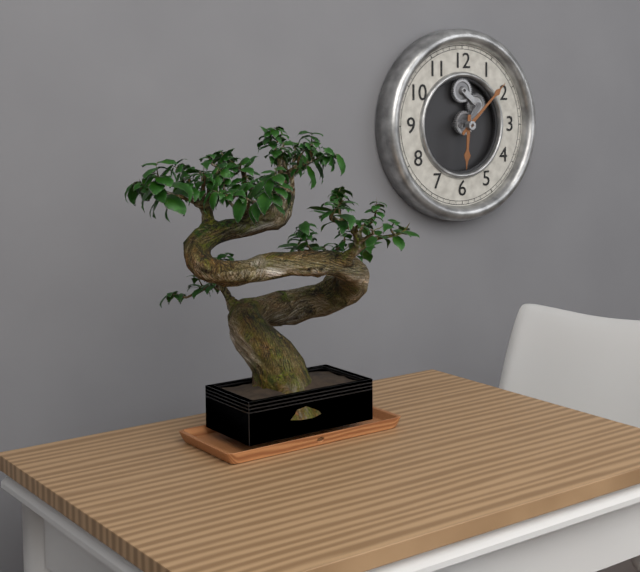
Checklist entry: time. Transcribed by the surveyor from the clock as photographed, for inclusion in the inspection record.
6:08
